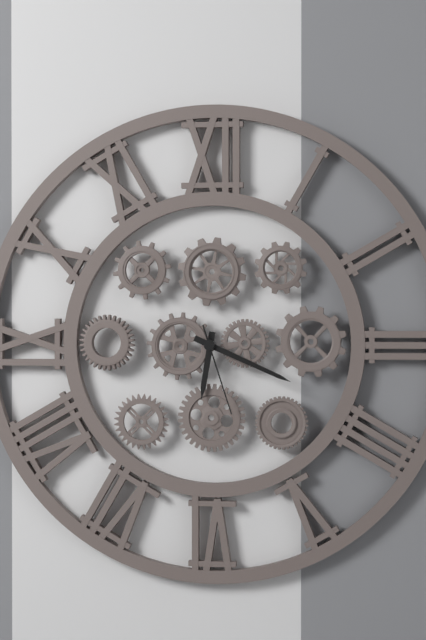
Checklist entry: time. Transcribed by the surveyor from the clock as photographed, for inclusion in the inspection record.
6:19:27
